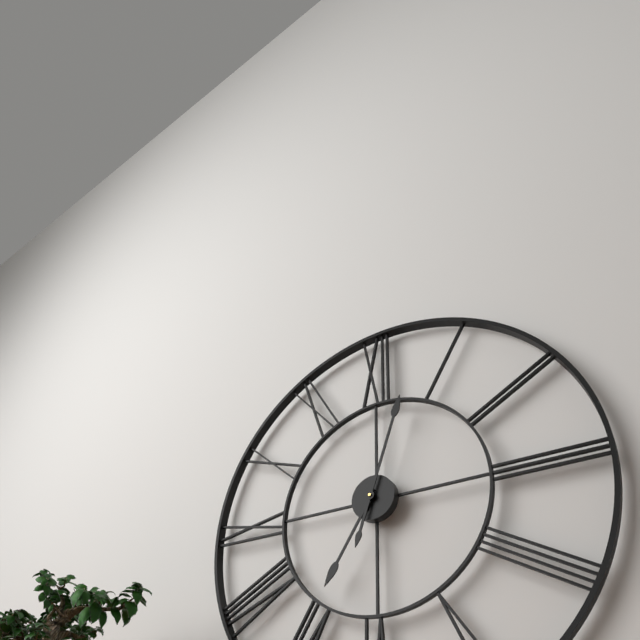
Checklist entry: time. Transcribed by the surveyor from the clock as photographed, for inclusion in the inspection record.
7:03
